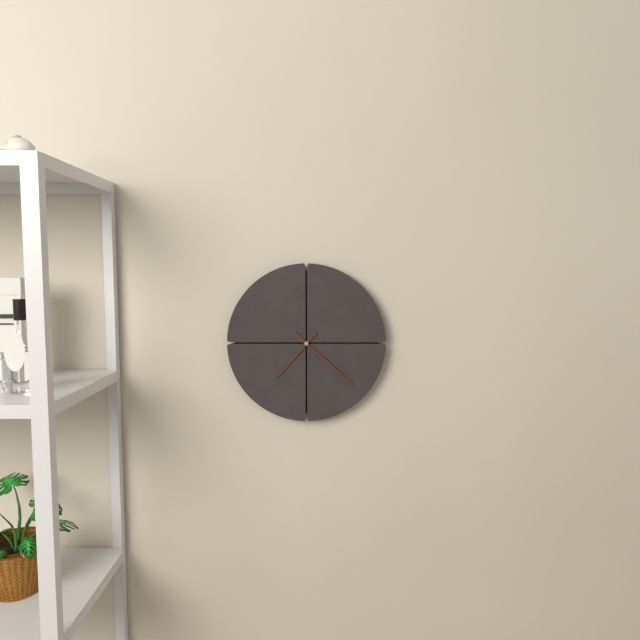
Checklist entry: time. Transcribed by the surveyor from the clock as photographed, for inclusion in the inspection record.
7:22
